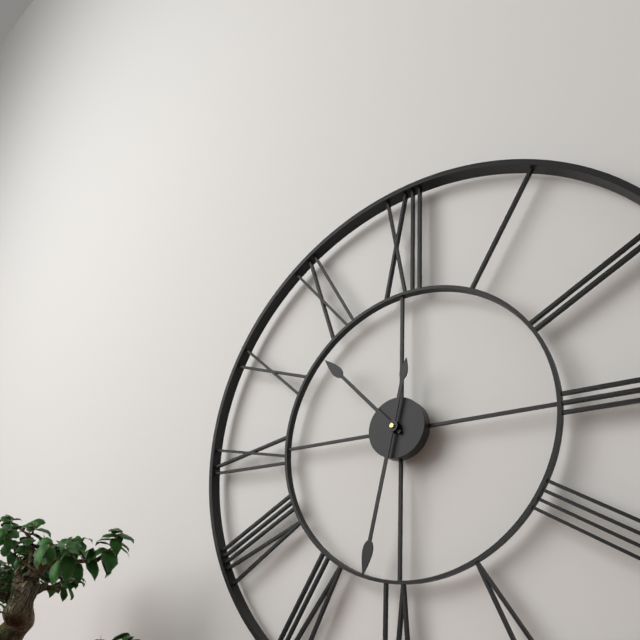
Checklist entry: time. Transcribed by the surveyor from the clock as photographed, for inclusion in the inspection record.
10:32
